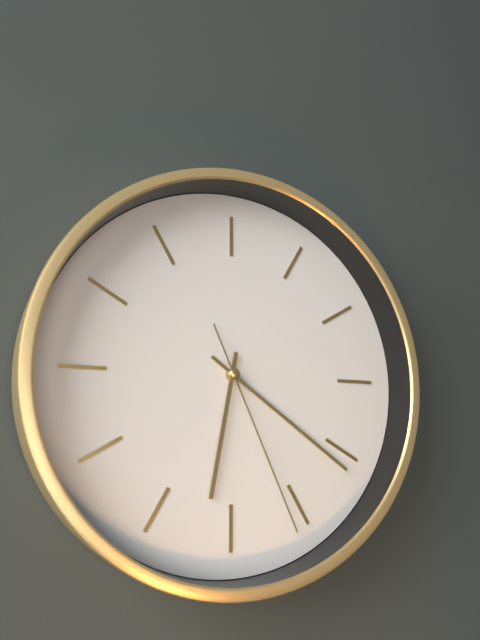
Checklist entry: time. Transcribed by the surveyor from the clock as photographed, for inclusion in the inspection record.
6:21:26
